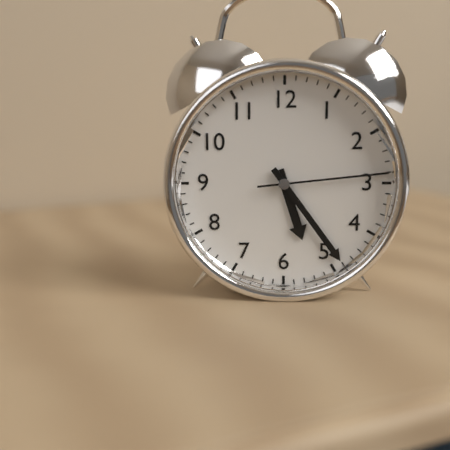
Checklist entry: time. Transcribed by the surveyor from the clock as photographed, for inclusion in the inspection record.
5:24:14
